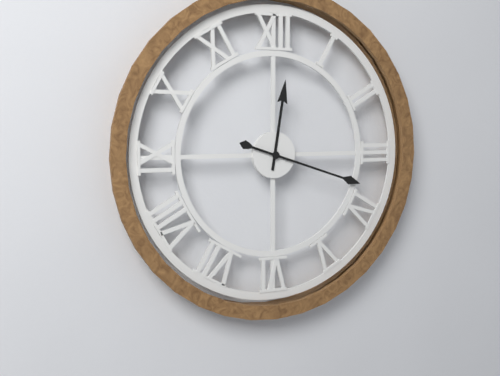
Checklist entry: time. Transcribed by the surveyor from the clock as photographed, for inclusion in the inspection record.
12:18
